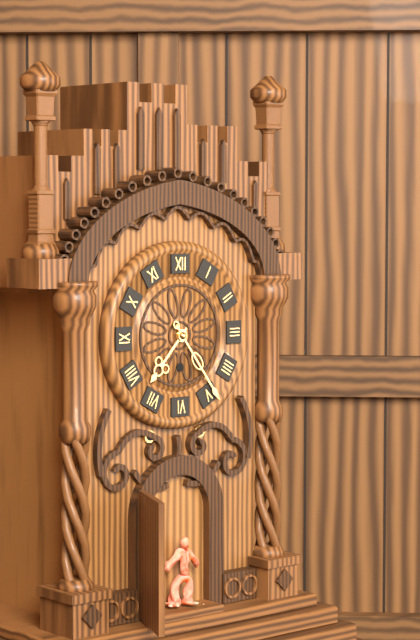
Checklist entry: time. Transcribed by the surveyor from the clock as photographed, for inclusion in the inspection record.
7:24
